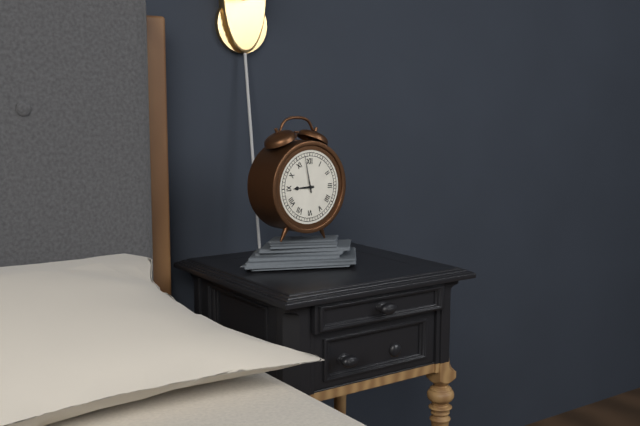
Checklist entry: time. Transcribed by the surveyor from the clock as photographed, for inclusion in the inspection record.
8:58
